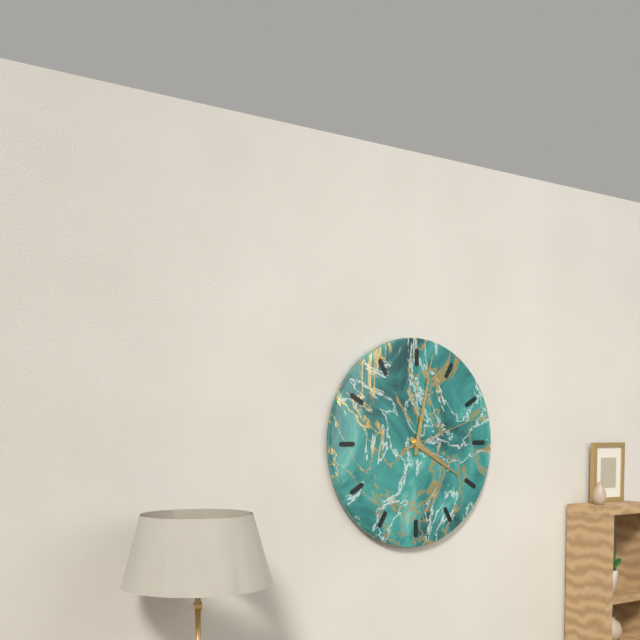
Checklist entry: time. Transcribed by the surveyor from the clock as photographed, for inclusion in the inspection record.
4:02:12
